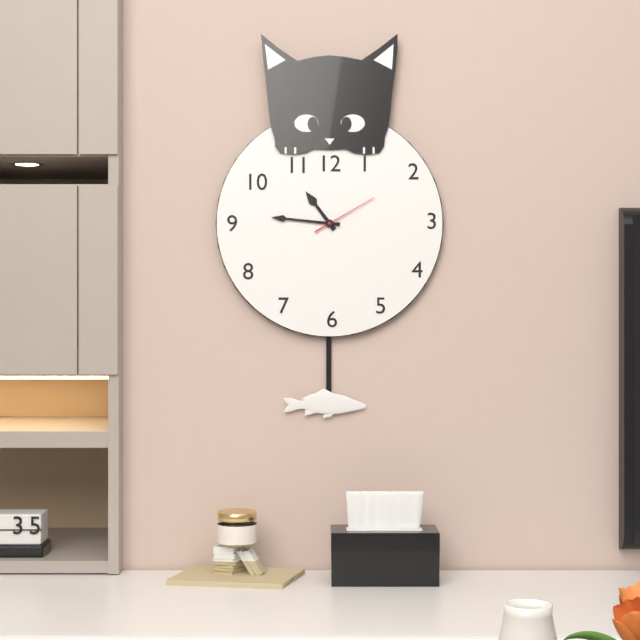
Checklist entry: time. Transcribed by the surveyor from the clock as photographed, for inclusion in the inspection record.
10:46:10
